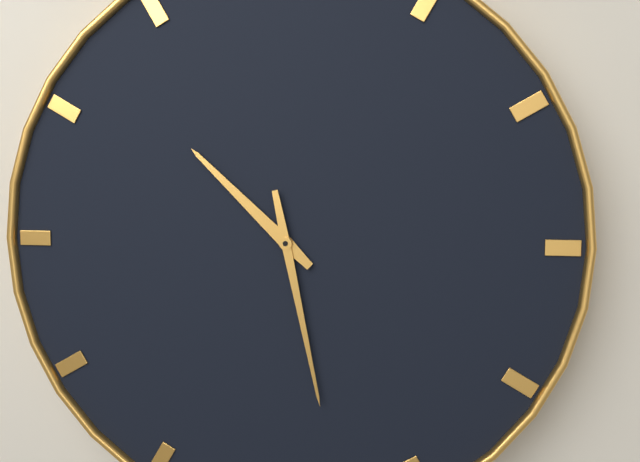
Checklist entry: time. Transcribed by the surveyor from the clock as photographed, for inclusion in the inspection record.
10:28
